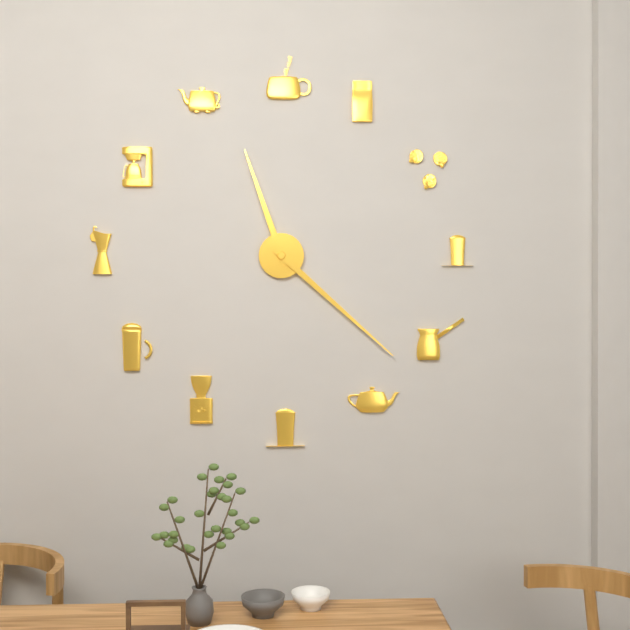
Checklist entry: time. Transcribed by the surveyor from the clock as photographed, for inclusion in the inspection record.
11:22
